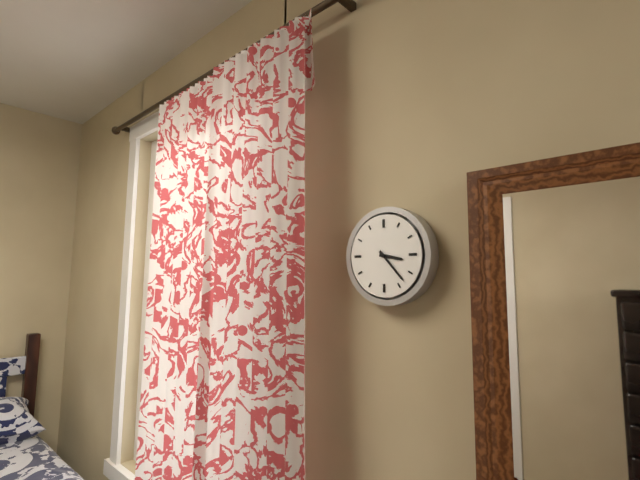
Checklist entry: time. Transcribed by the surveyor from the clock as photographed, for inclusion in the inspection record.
3:23
